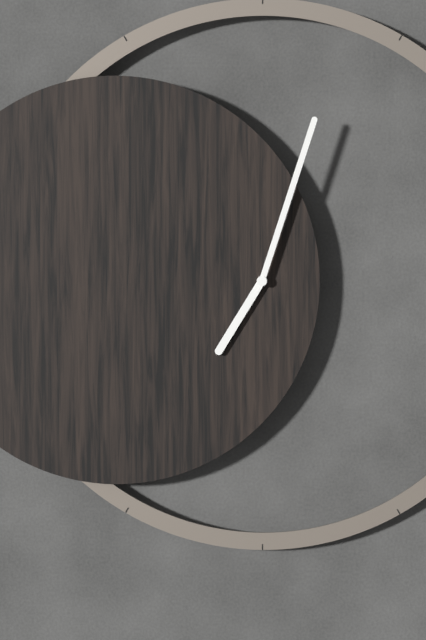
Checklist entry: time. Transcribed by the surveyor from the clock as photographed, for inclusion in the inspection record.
7:03
